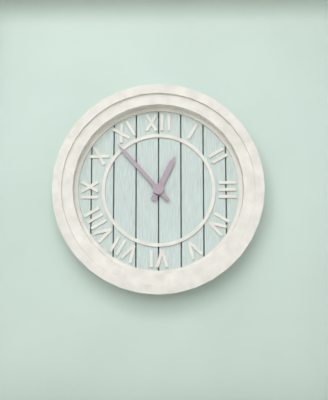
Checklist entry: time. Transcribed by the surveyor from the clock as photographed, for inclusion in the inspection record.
12:53
